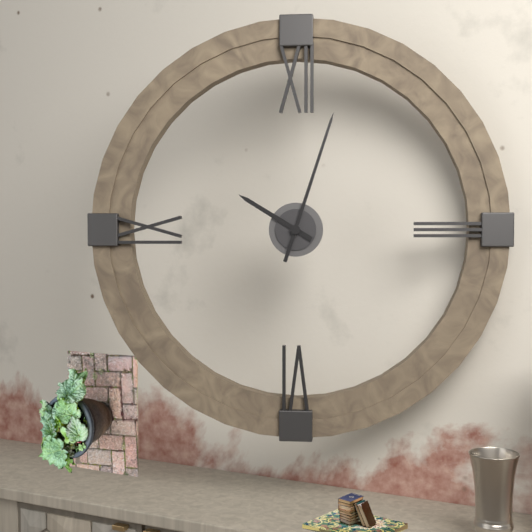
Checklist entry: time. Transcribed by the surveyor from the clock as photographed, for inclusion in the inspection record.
10:03
